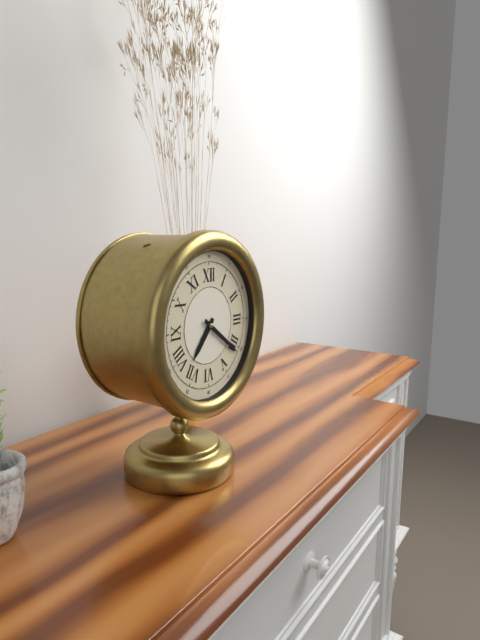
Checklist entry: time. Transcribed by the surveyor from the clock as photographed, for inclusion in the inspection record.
7:21
